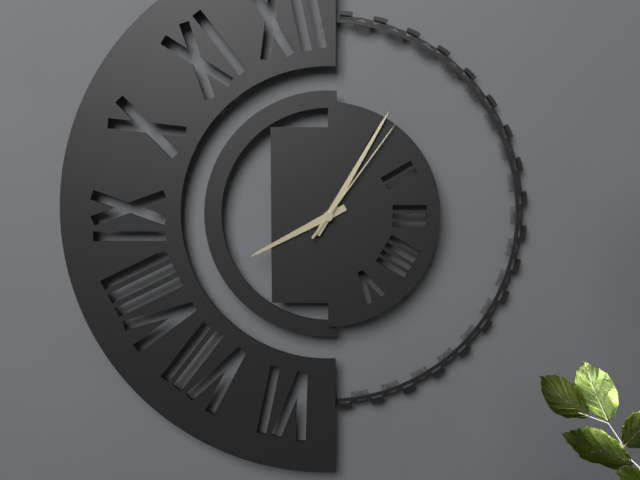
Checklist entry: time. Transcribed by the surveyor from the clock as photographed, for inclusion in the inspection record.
8:05:06
